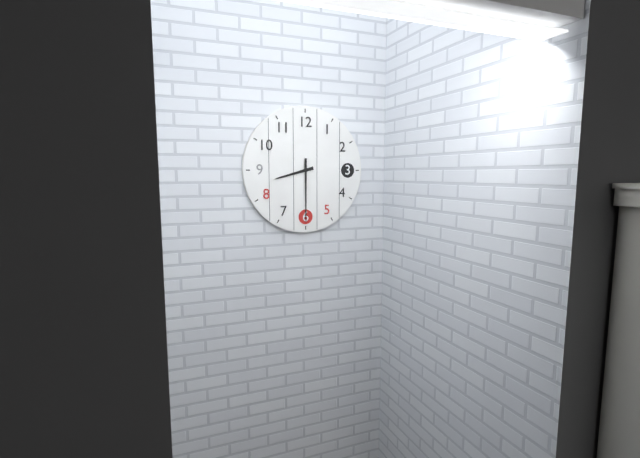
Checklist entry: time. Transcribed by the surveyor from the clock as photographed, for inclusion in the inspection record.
8:30
